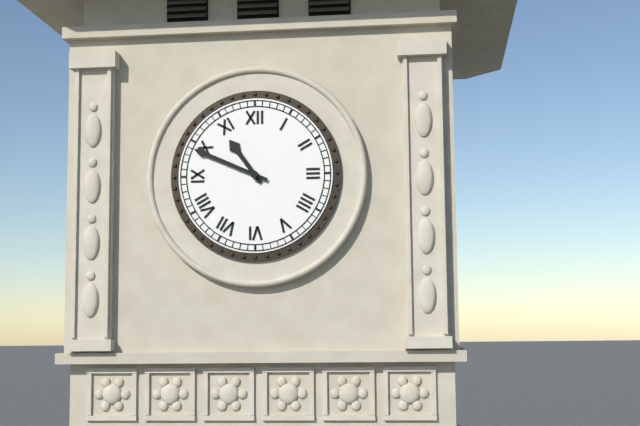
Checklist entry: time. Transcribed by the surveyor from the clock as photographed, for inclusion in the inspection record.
10:49
